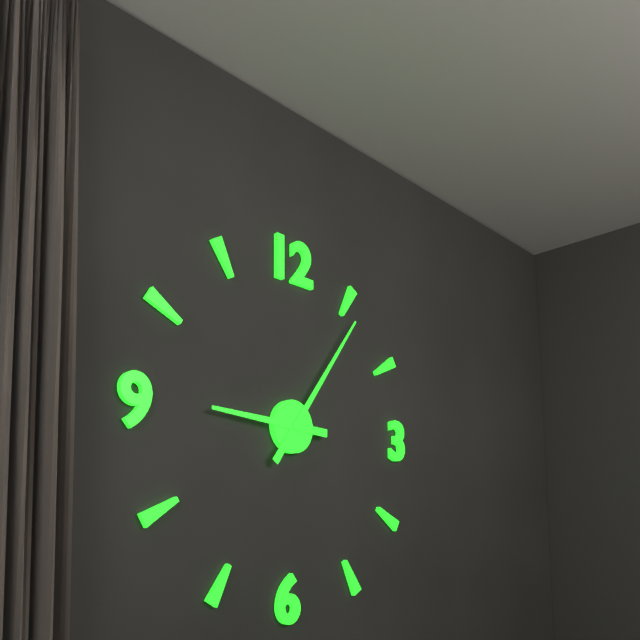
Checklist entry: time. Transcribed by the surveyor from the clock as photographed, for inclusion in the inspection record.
9:06
